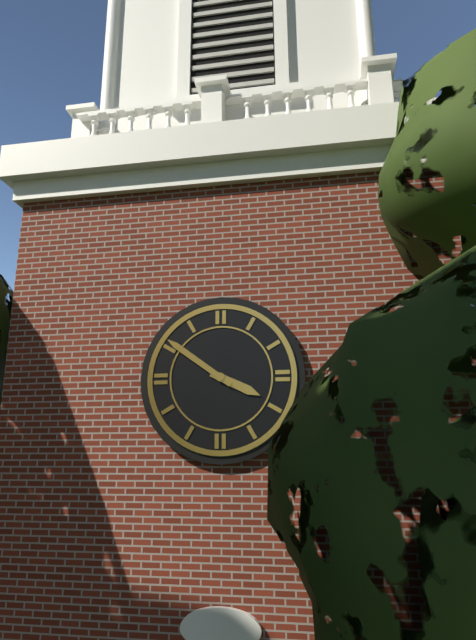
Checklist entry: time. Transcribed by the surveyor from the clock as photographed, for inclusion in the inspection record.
3:51
